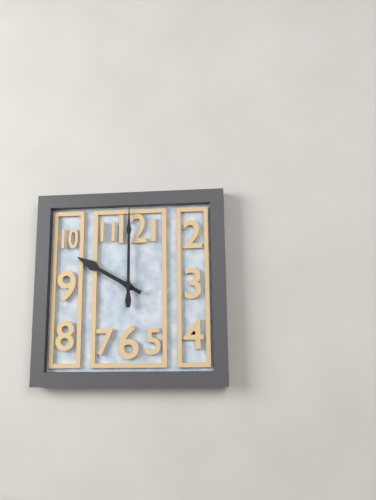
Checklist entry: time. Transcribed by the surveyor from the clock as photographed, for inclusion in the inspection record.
10:00
